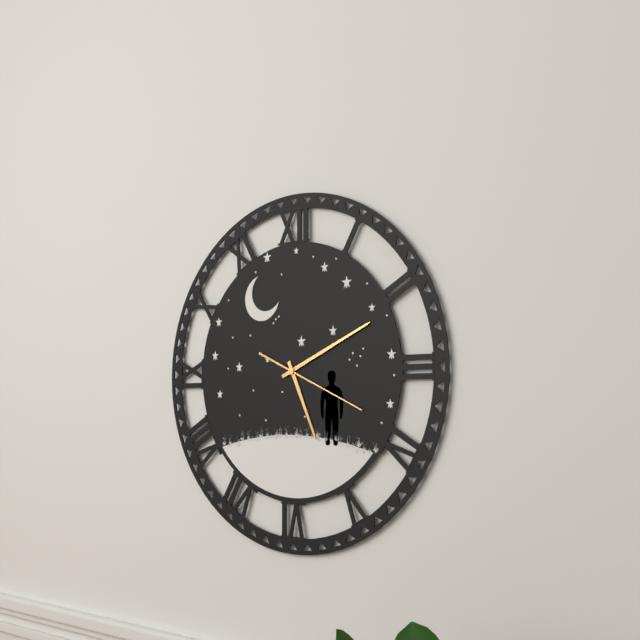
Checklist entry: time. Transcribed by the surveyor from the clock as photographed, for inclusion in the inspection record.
5:11:19
